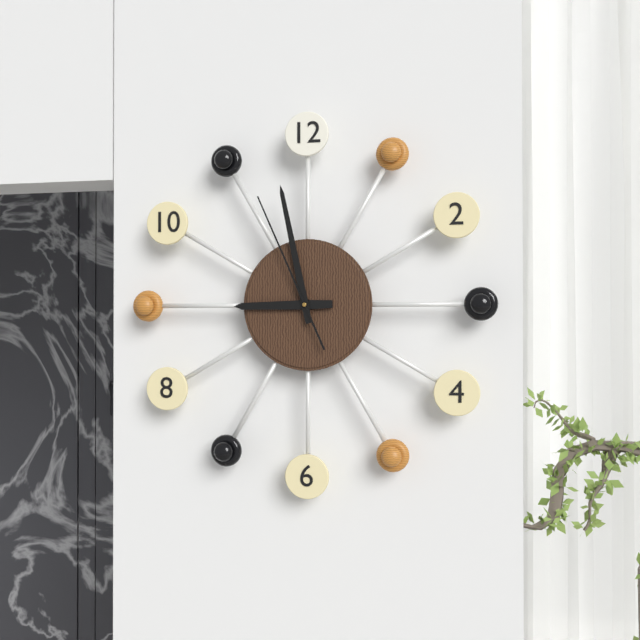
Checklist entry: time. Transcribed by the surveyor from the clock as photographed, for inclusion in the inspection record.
8:58:56
